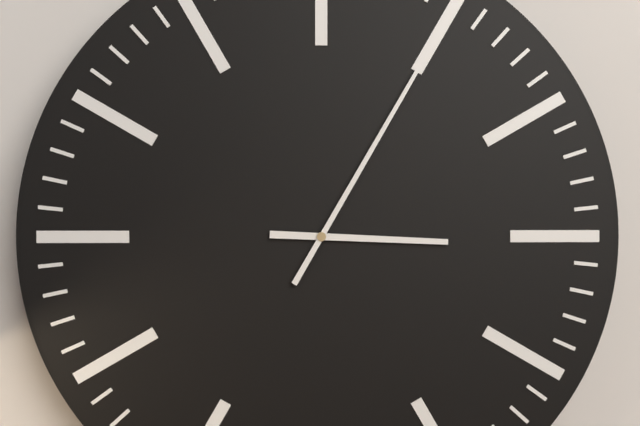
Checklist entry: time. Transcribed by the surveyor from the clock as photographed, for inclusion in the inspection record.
3:05
